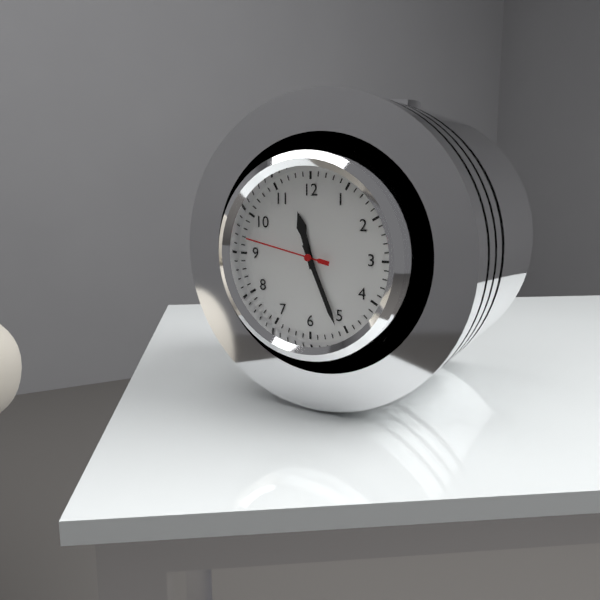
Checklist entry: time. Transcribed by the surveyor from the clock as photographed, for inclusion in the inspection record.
11:26:47
